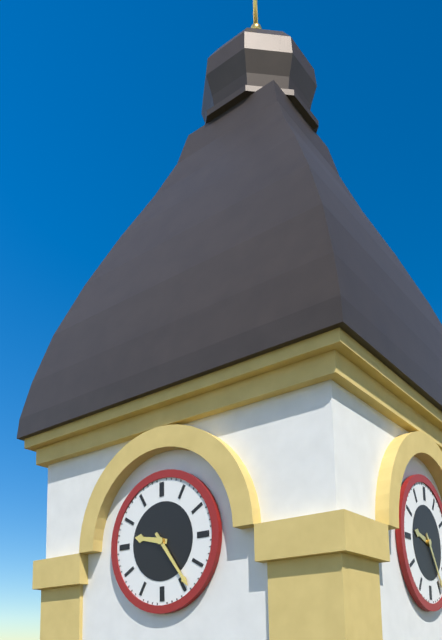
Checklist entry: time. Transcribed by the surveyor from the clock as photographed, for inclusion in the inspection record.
9:24
